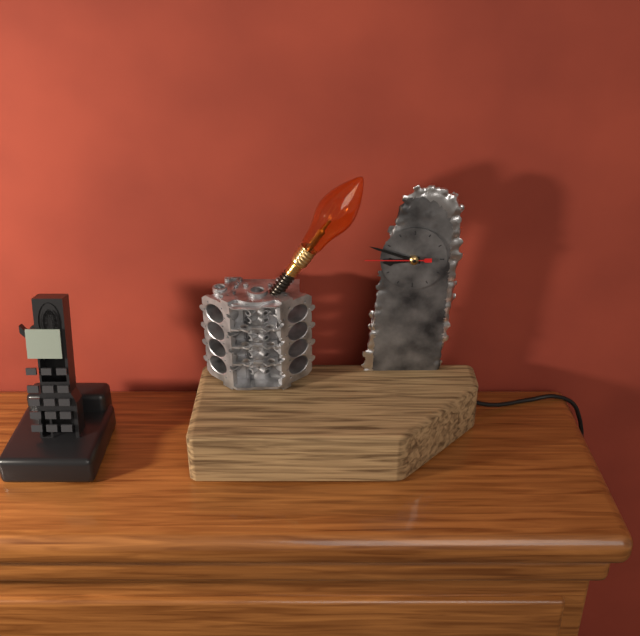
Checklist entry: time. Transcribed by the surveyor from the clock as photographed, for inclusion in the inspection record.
8:48:45
